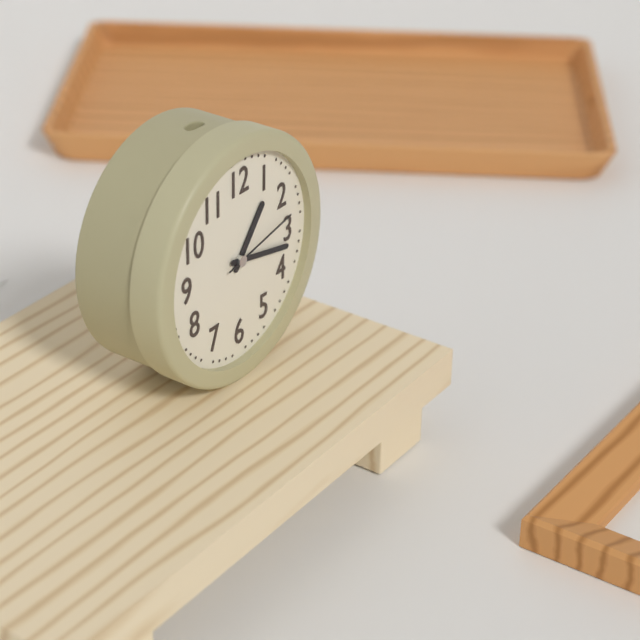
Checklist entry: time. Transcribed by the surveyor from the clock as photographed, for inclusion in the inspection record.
1:17:13
